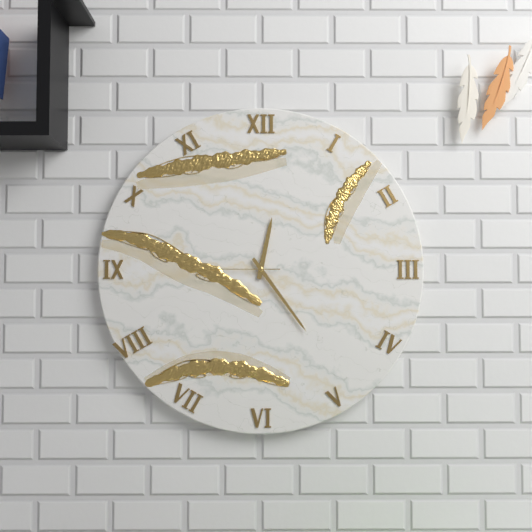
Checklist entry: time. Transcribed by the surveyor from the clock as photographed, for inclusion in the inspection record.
12:24:45
